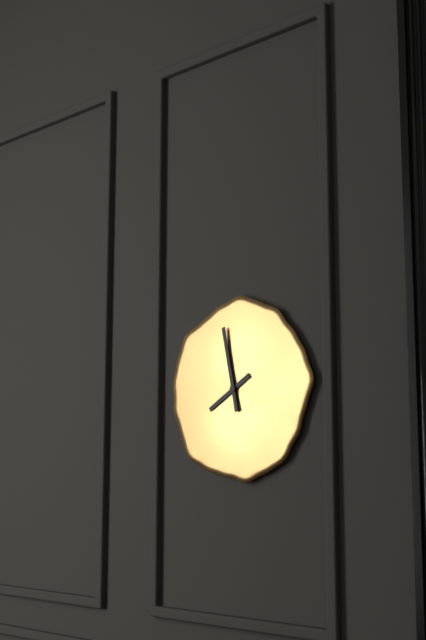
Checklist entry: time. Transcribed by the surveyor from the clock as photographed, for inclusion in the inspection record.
7:58
